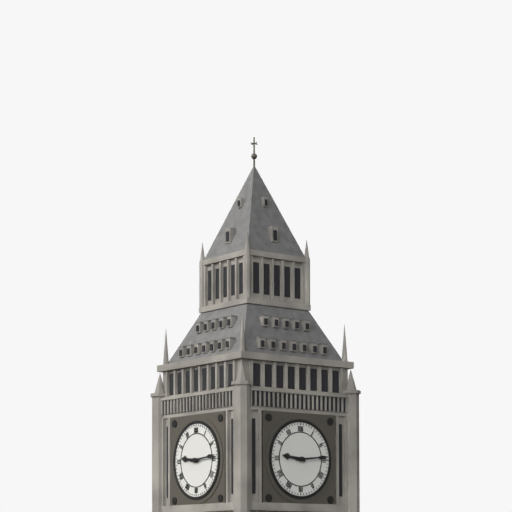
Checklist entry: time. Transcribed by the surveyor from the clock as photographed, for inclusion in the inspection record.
9:14
